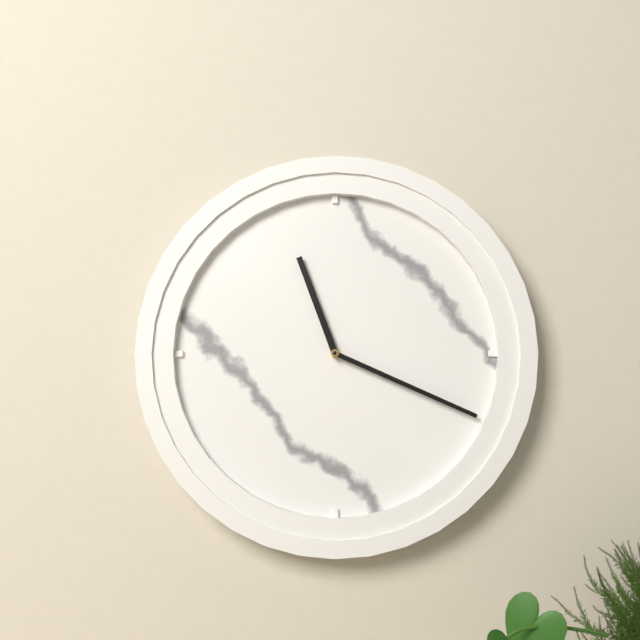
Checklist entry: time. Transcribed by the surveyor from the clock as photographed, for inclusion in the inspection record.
11:19
